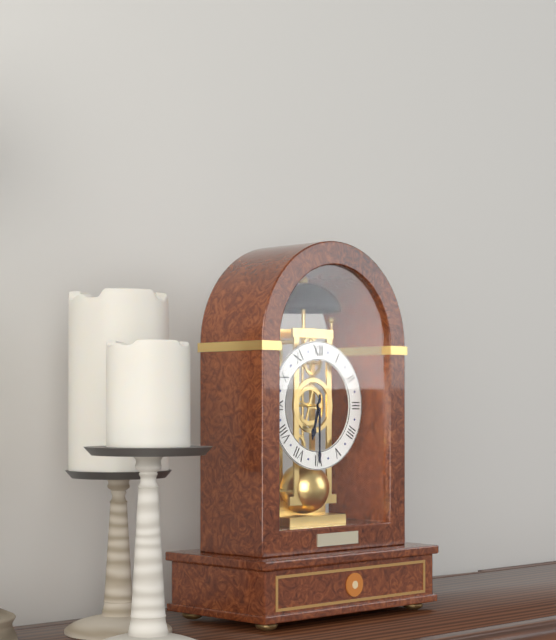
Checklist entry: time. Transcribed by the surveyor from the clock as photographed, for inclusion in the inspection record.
6:30
